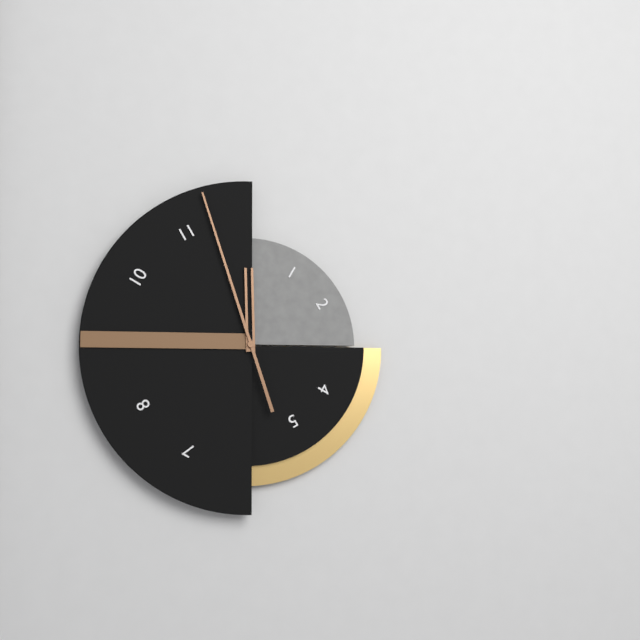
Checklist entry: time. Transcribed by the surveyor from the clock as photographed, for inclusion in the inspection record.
11:57
